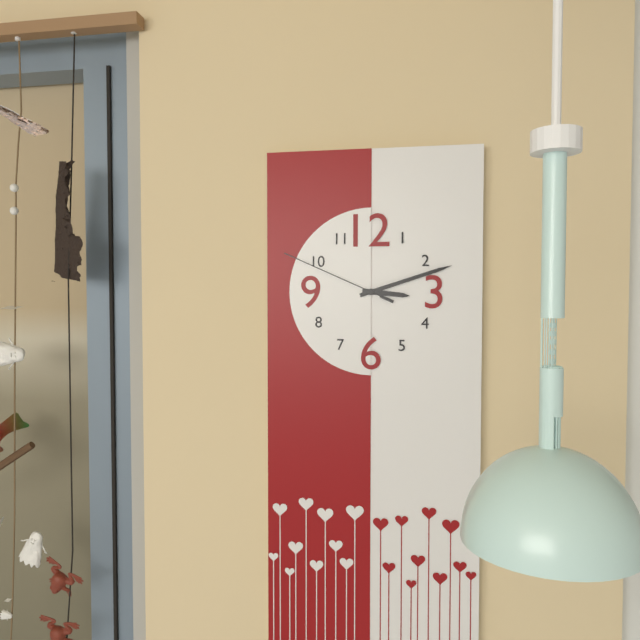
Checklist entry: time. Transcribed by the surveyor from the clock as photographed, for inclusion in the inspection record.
3:12:49
